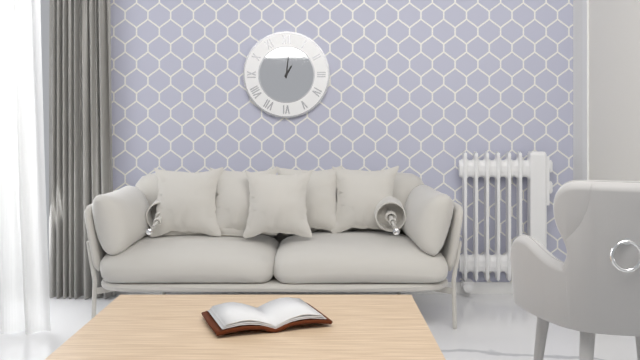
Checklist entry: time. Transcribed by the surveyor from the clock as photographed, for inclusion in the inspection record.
1:01
